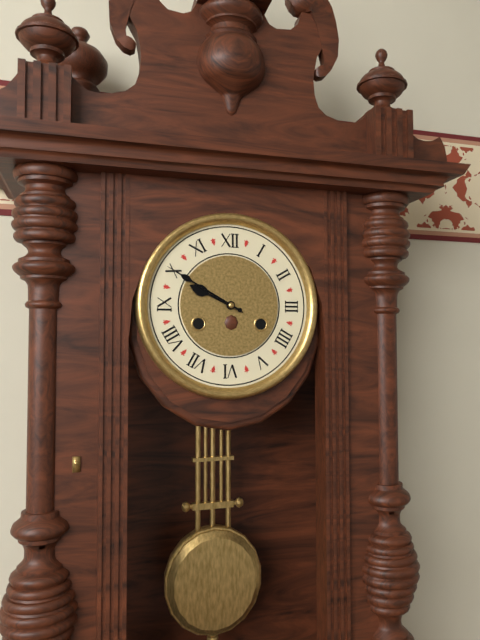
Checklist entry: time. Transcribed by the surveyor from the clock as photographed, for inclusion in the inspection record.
9:50
